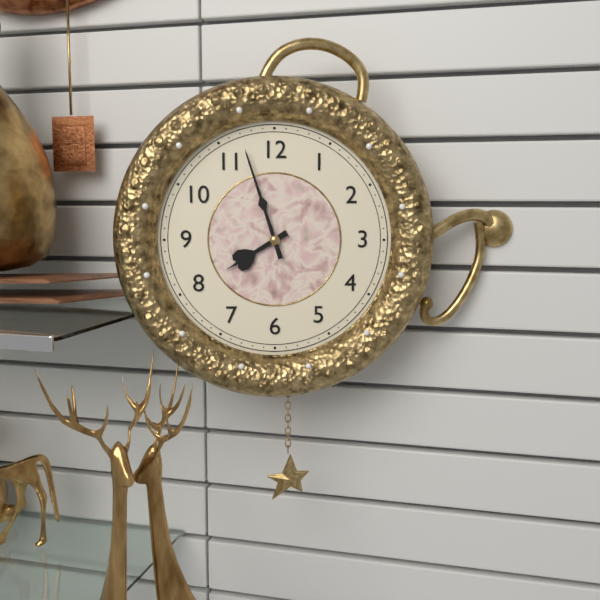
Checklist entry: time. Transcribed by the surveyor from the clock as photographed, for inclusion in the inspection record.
7:57
